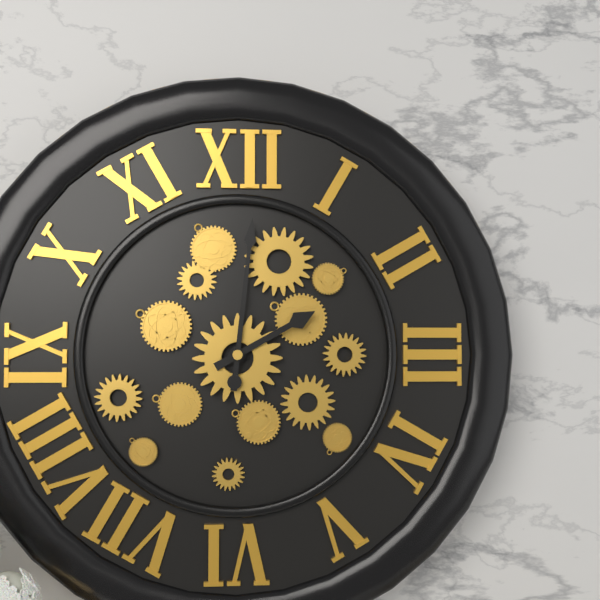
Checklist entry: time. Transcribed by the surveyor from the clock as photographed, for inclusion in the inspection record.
2:01
